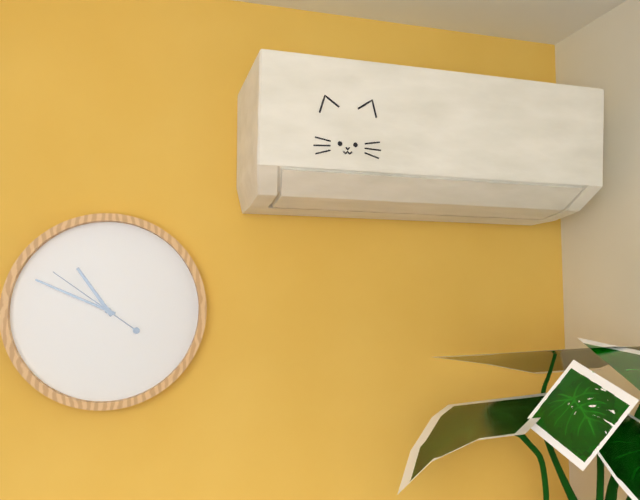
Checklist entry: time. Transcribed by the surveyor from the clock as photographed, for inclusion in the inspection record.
10:49:51
